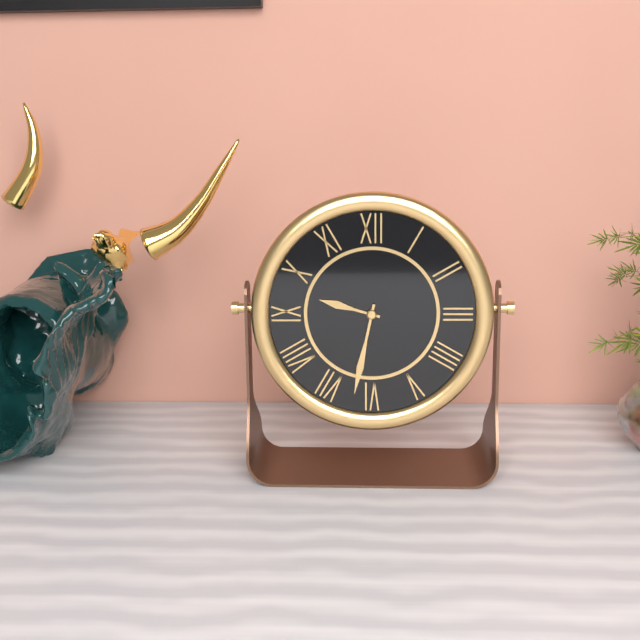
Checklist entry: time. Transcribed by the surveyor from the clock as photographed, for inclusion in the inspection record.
9:32
